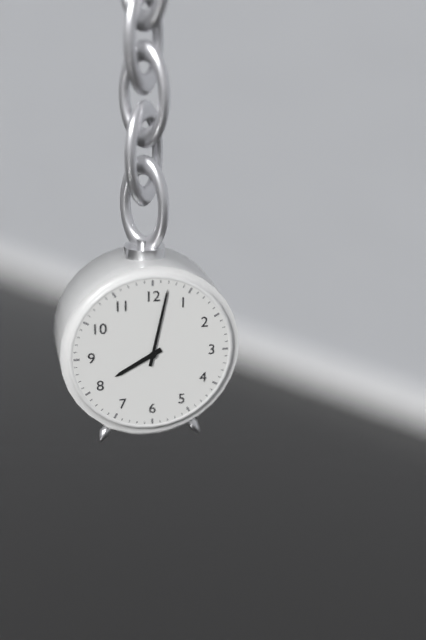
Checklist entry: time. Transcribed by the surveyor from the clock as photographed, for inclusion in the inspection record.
8:02
